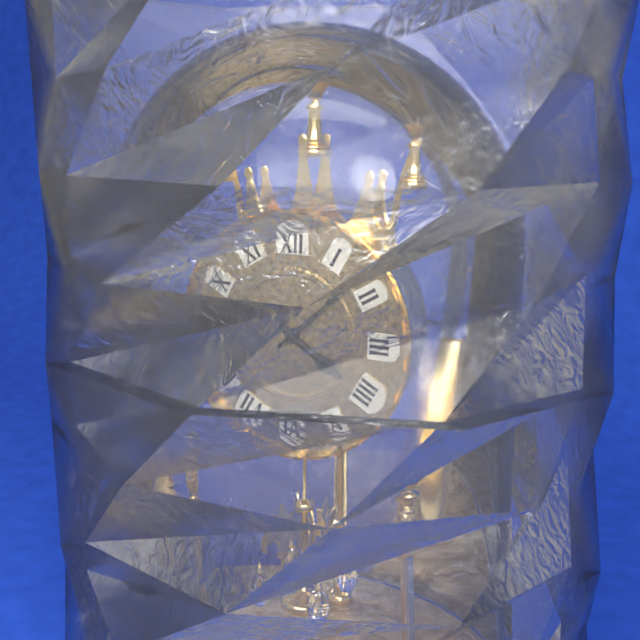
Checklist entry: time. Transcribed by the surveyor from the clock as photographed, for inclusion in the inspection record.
4:08
